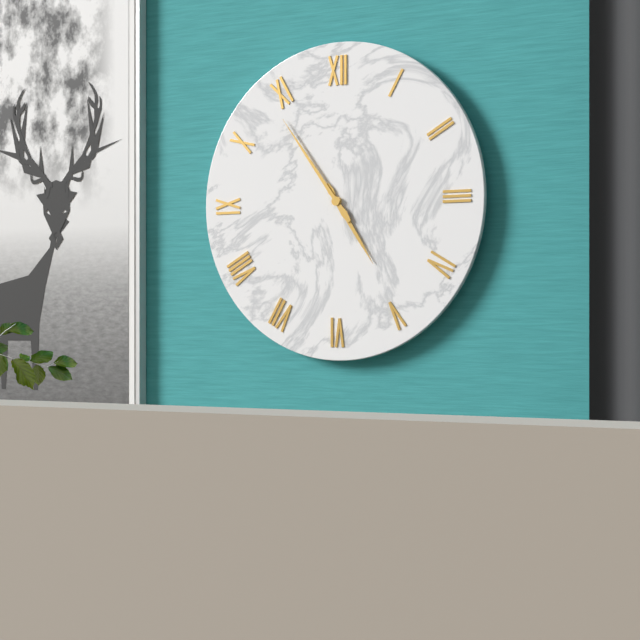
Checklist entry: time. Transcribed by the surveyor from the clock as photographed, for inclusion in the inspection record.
4:54
